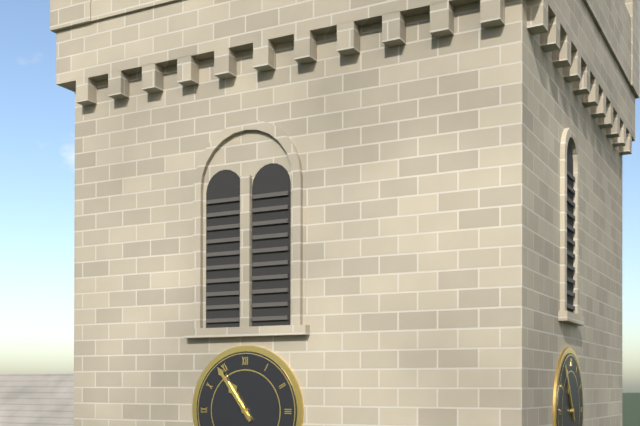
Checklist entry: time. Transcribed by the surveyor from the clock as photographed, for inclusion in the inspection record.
10:54
